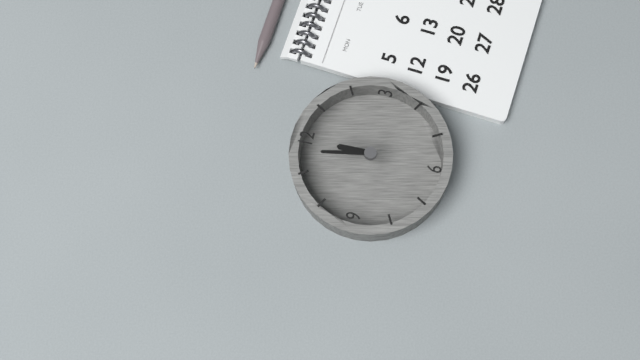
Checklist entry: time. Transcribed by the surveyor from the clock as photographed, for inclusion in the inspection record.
11:58
